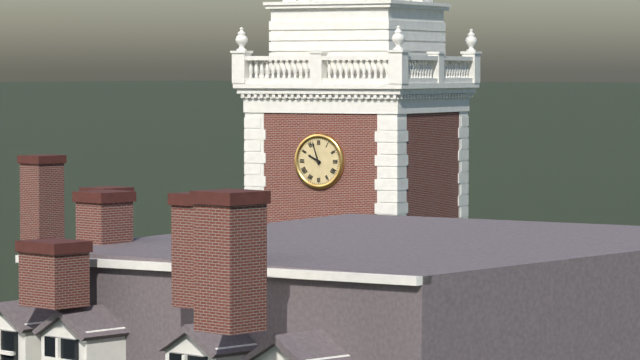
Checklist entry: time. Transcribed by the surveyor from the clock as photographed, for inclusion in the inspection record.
9:57
